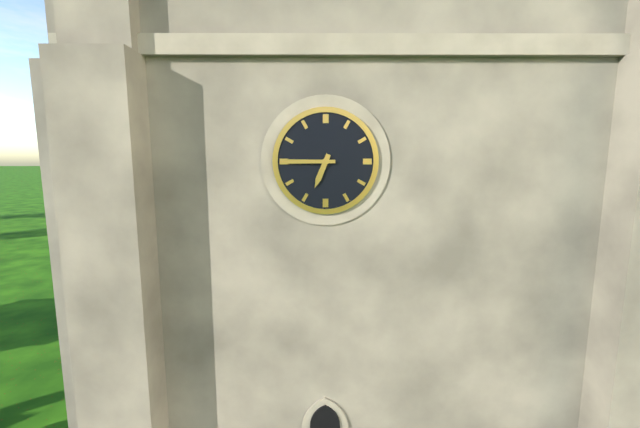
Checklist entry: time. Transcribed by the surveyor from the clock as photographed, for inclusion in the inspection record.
6:45
